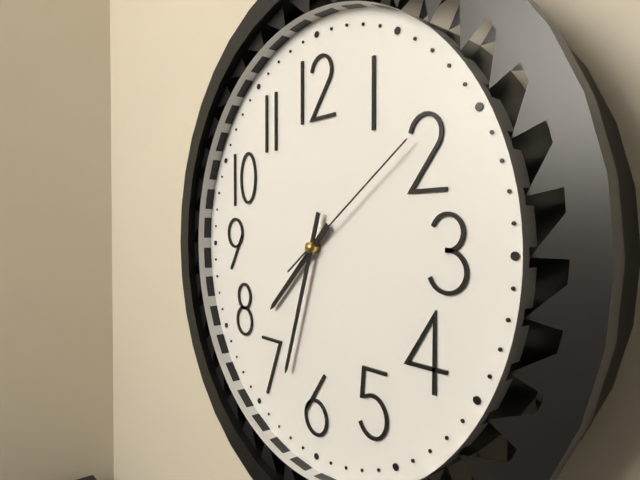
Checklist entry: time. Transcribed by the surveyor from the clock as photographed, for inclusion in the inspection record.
7:33:09
